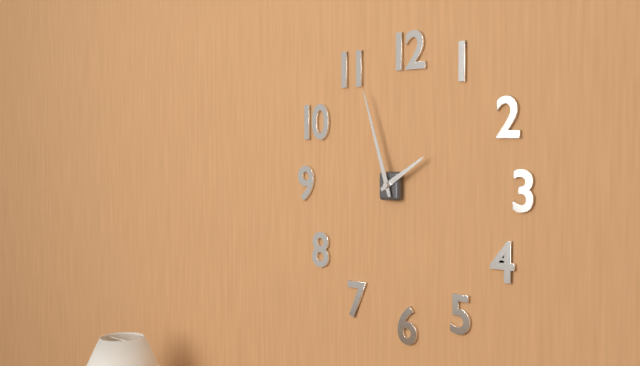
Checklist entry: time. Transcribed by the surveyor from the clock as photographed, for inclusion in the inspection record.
1:57
